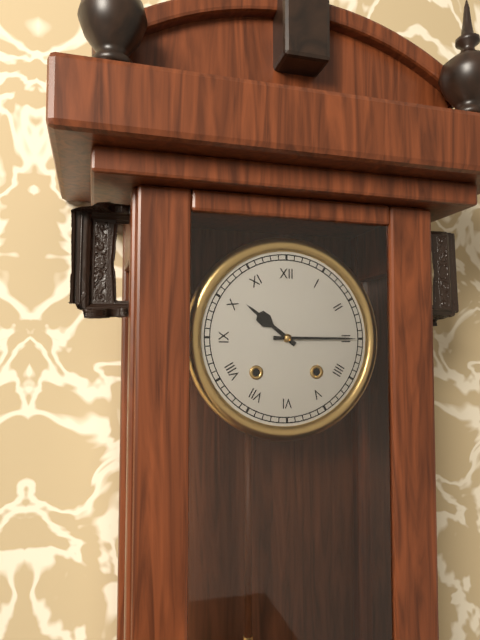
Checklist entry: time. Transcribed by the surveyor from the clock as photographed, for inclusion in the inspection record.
10:15
